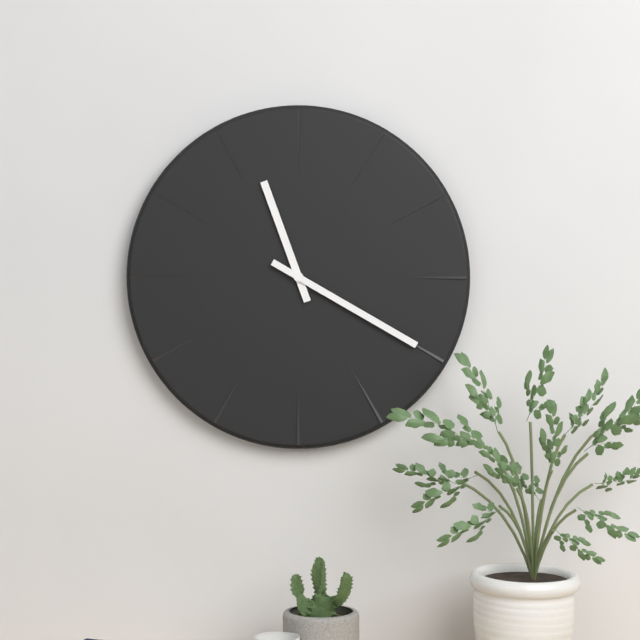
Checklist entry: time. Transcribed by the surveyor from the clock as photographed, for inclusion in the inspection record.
11:20
